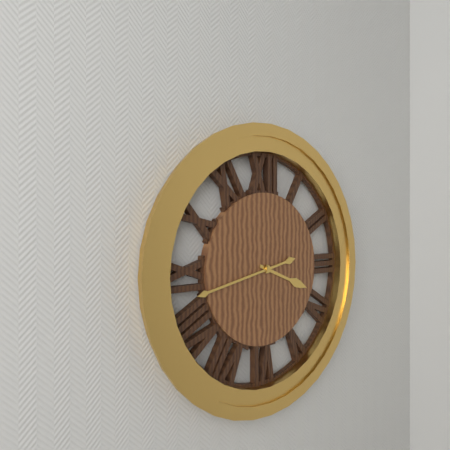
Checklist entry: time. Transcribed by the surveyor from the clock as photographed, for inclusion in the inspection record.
3:43
